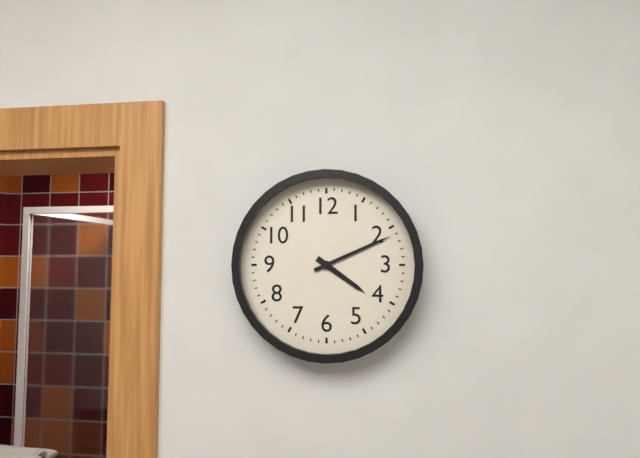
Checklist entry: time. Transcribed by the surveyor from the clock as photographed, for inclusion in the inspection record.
4:11
